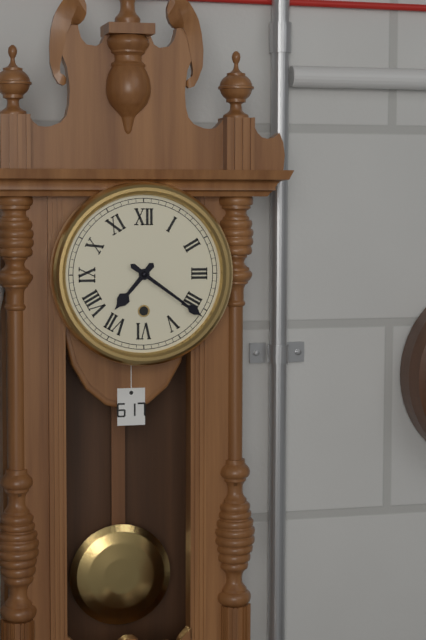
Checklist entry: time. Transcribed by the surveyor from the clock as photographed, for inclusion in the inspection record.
7:21
